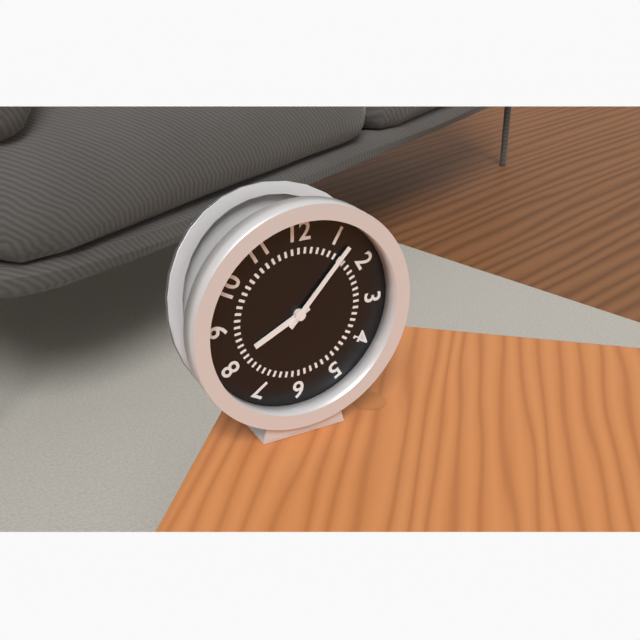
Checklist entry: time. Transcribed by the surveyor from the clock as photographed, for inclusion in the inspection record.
8:07
